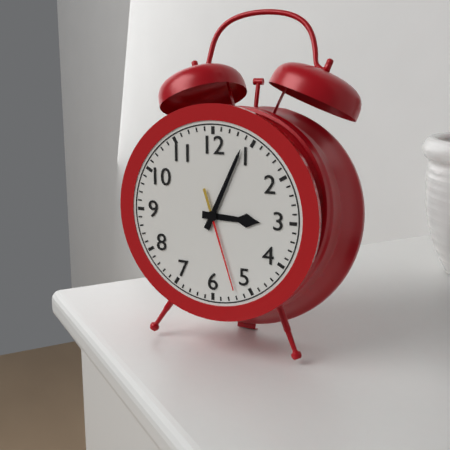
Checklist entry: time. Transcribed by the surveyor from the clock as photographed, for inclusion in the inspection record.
3:04:27
